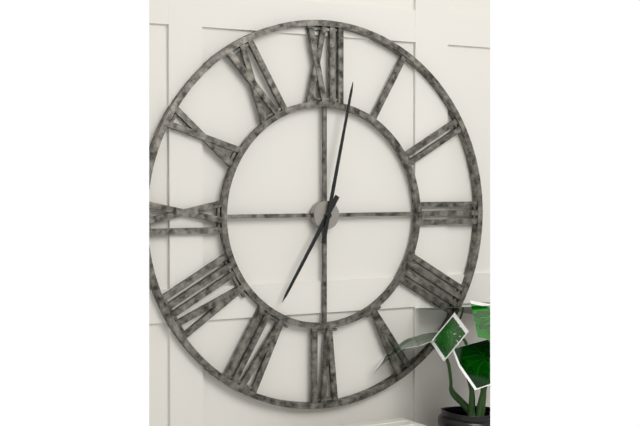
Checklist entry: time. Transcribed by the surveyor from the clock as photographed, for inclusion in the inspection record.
7:02
